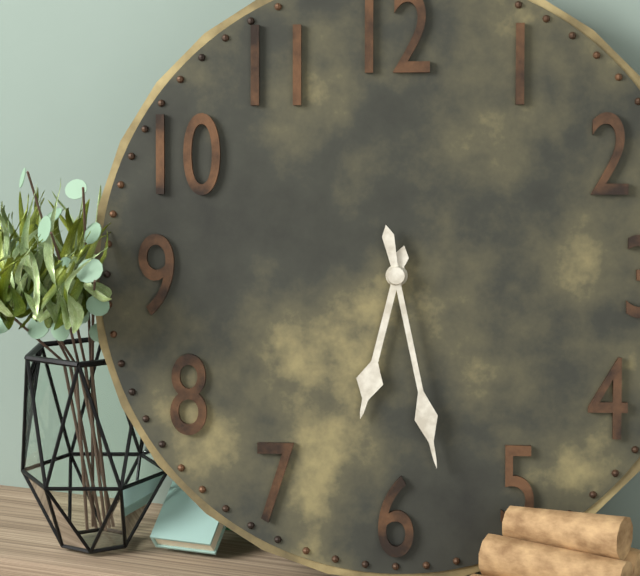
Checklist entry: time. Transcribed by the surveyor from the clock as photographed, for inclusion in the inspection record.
6:28
